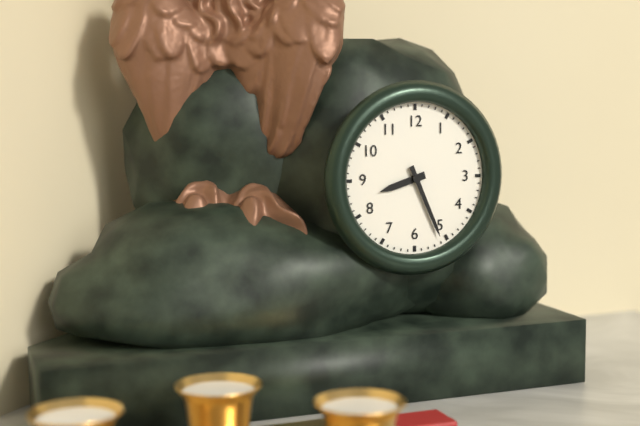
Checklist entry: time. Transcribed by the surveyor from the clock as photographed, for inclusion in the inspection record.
8:26
